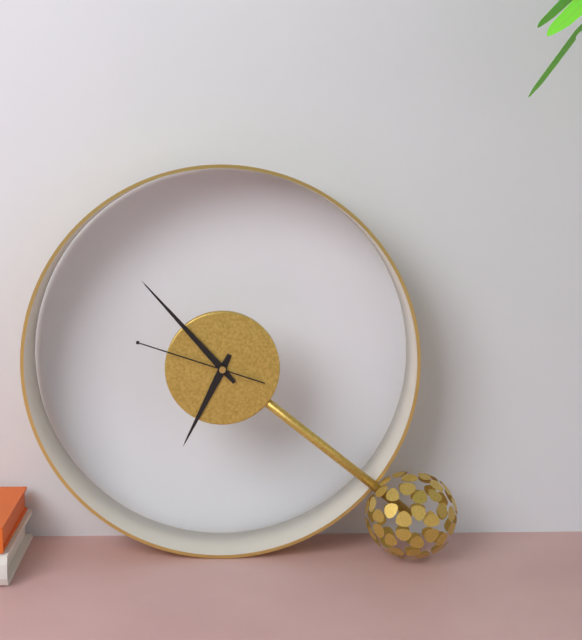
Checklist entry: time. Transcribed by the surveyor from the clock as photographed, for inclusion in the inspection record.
6:53:48
